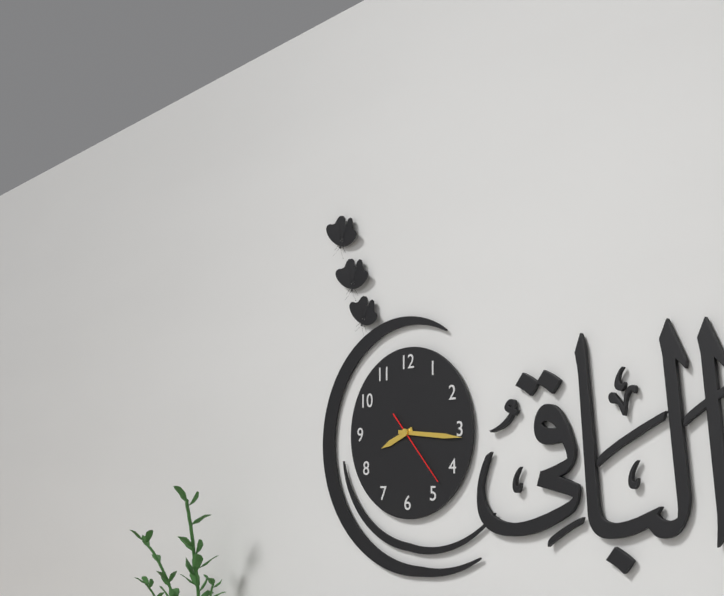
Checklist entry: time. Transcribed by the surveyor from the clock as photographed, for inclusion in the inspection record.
8:16:23
